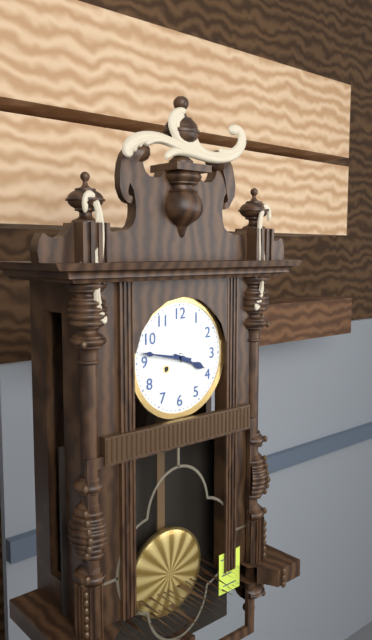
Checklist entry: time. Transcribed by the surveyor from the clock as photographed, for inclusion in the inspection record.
3:47
